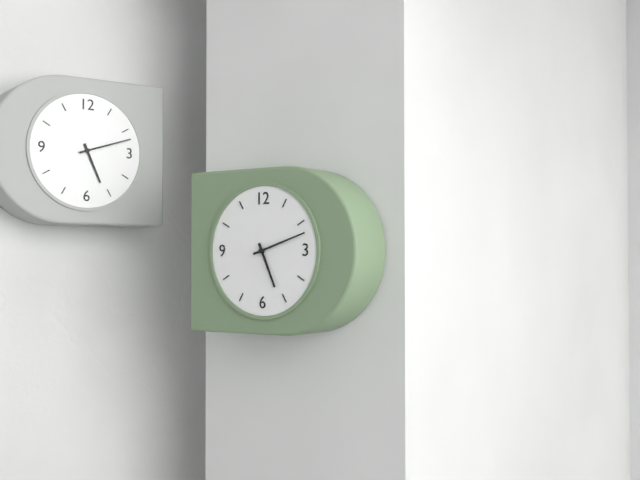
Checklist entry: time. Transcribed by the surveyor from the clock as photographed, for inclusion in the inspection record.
5:12
